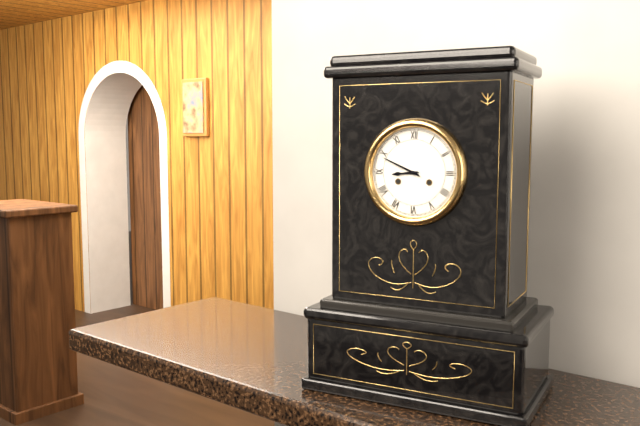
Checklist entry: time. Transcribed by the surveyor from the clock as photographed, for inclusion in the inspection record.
8:49
